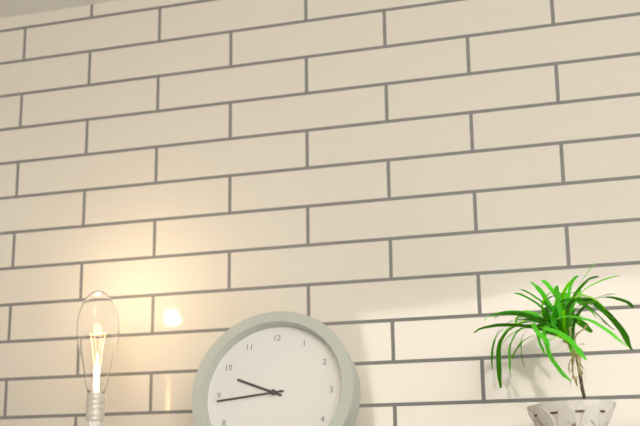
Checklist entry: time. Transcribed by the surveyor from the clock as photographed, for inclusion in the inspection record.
9:44
